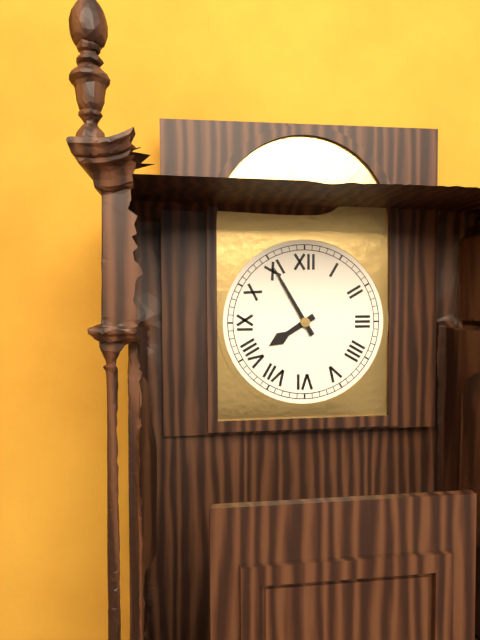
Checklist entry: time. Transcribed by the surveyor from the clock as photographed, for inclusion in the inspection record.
7:55
